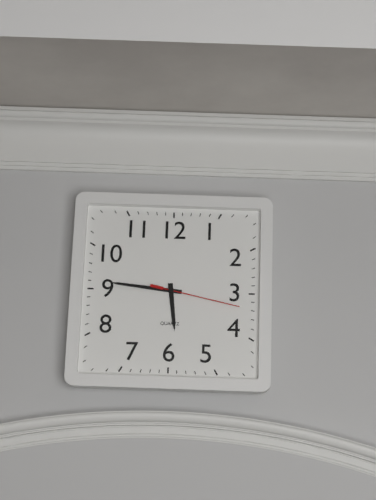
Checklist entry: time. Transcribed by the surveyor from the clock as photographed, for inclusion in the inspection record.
5:46:17
